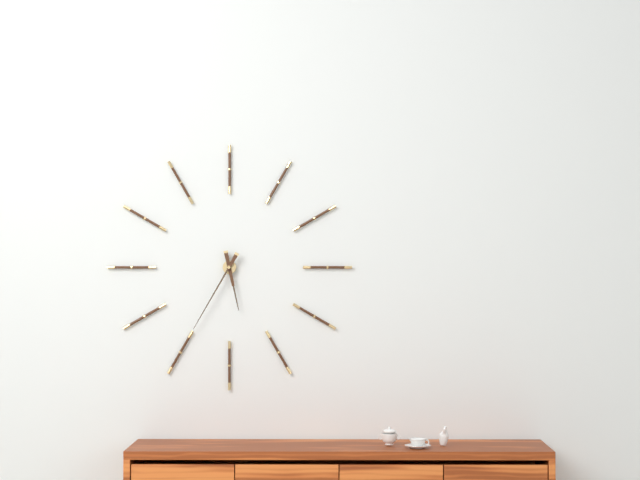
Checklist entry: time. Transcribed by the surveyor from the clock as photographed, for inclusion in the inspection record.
5:35
